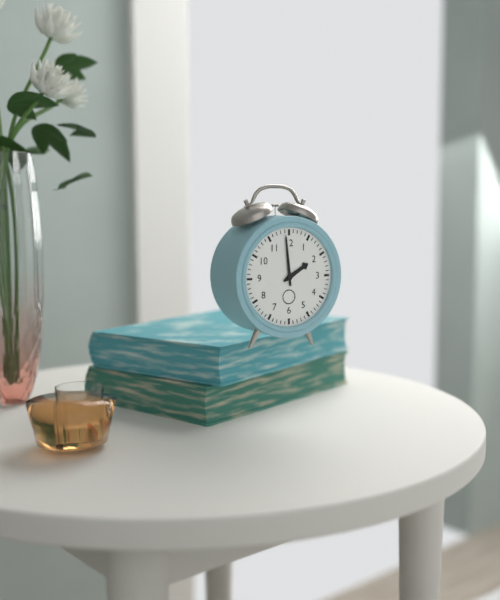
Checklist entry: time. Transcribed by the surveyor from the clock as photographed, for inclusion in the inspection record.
1:59
